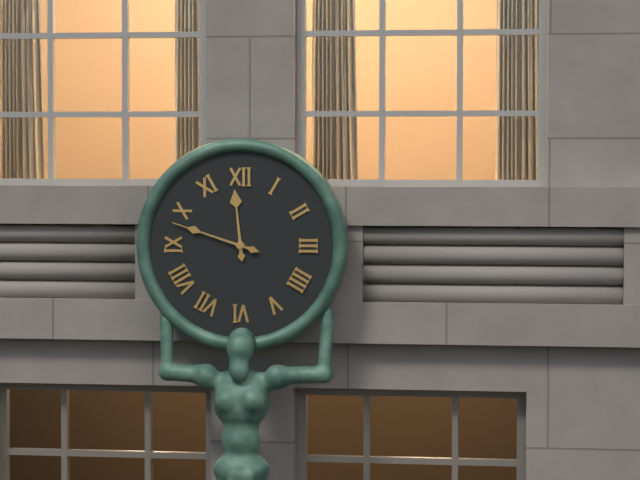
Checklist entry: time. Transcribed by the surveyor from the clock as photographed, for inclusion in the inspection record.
11:48
